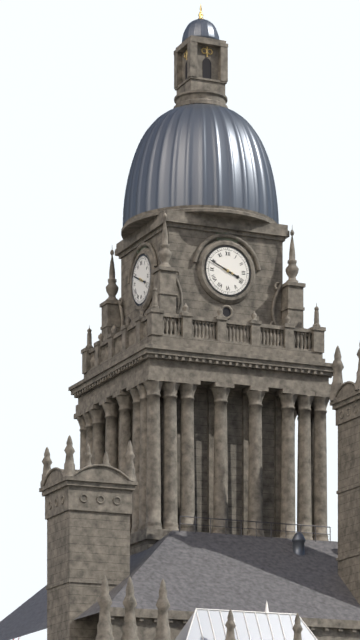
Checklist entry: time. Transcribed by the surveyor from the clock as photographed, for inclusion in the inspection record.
3:49
